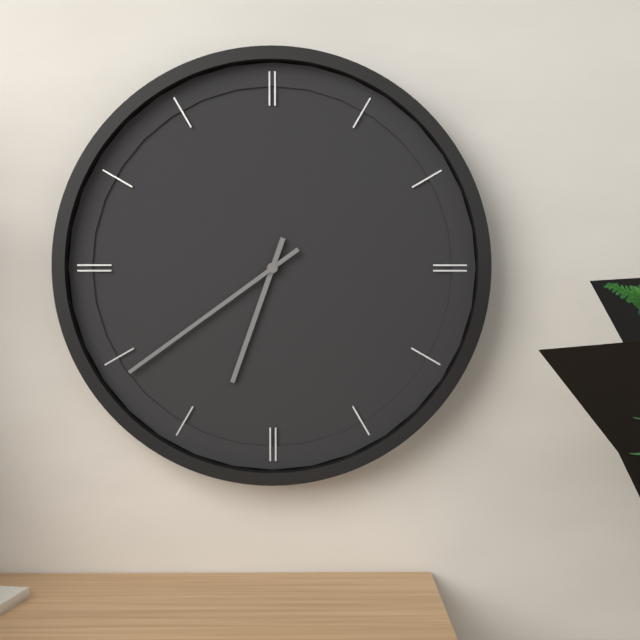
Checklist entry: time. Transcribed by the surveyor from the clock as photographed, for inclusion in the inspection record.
6:39
